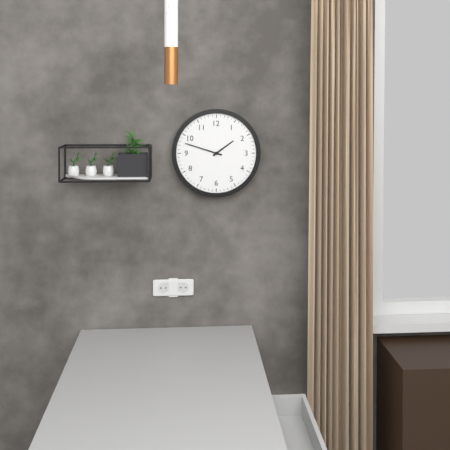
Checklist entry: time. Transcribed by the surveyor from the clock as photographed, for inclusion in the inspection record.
1:48
